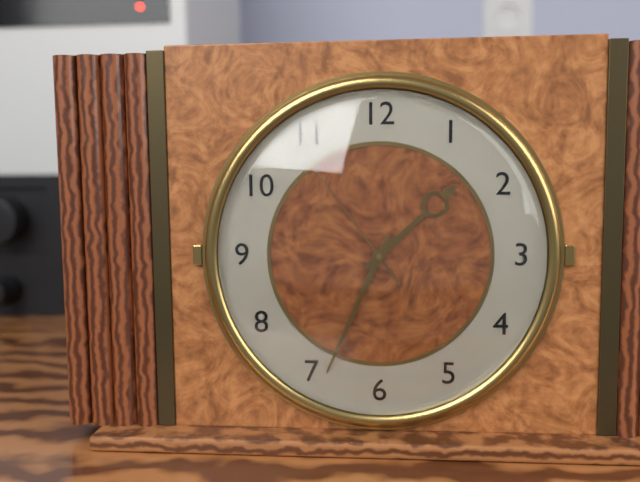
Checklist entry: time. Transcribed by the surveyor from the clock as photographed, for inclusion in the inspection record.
1:34:54
